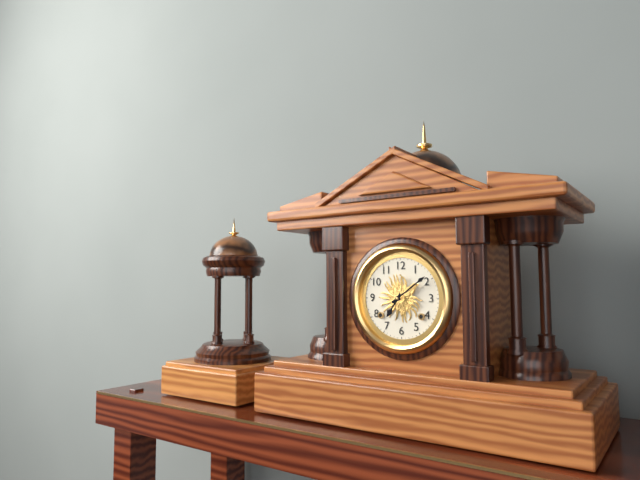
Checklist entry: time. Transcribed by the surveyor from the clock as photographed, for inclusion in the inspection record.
7:09
